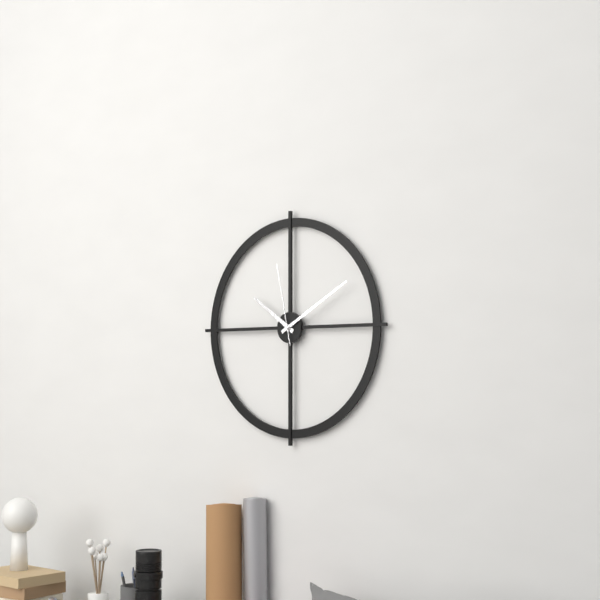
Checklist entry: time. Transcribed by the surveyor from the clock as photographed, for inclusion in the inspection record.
10:10:58
